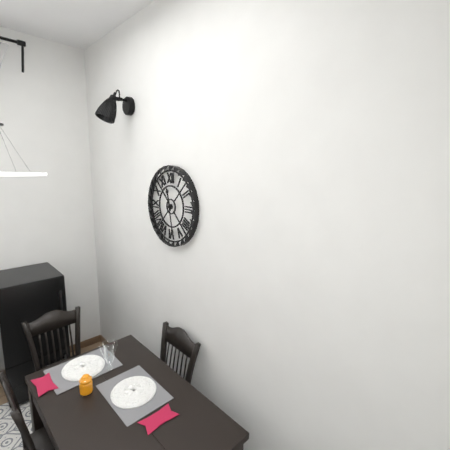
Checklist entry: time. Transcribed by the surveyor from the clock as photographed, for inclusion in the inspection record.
11:28
